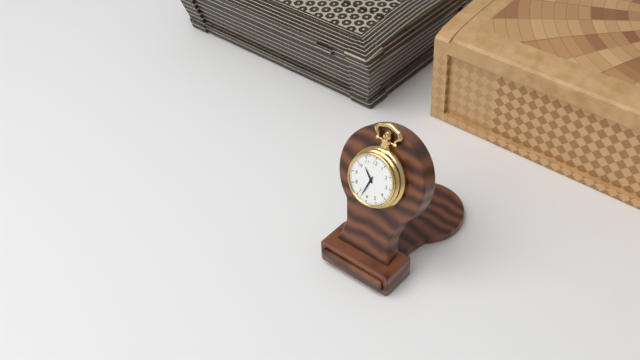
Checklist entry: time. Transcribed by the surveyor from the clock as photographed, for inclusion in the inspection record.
10:33
